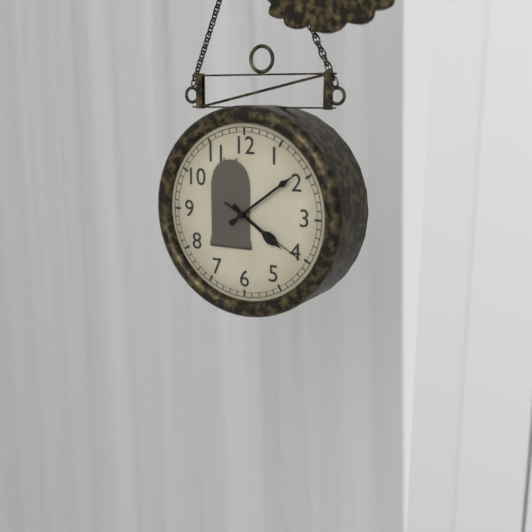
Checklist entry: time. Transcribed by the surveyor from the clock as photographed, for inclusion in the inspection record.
4:09:20
